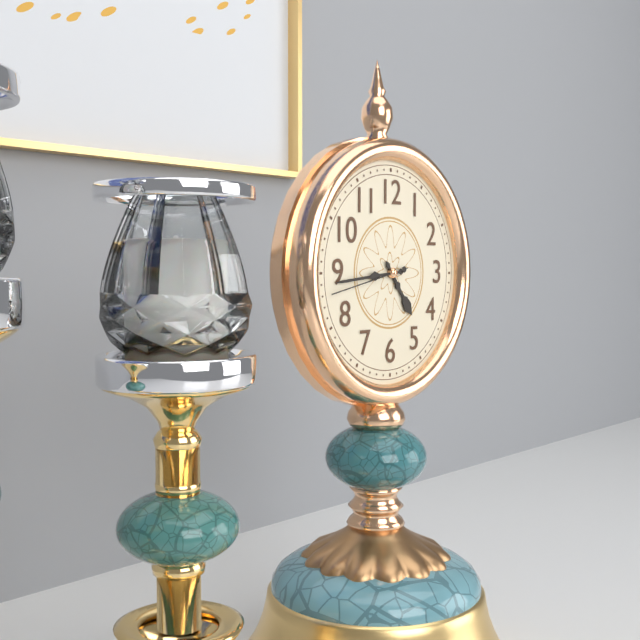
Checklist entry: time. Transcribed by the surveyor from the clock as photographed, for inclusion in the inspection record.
4:44:43
